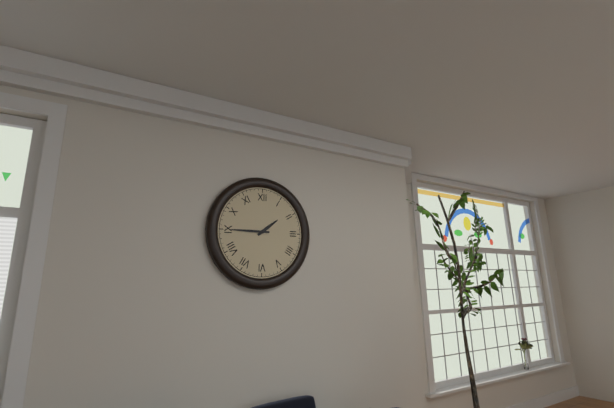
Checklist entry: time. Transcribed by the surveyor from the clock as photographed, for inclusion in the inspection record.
1:45
